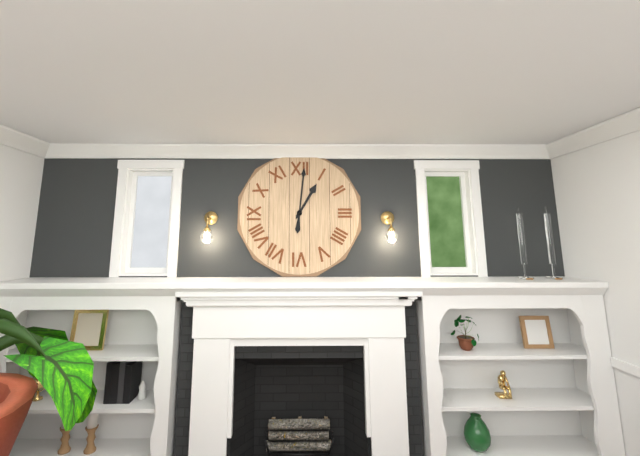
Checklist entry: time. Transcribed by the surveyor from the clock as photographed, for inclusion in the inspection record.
1:01
